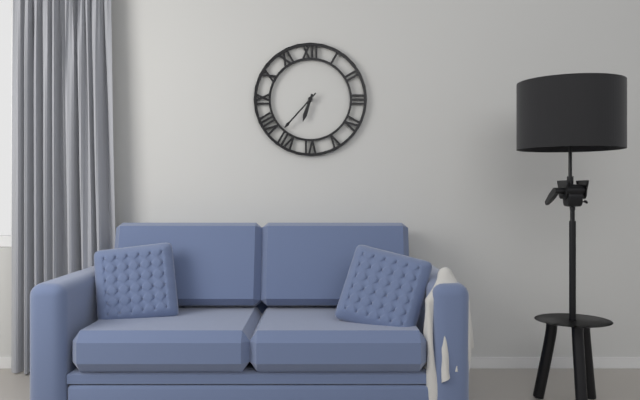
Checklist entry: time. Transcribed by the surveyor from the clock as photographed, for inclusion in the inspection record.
6:37
